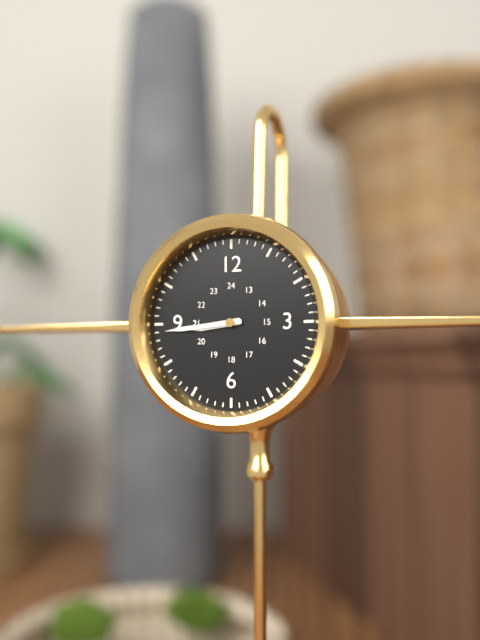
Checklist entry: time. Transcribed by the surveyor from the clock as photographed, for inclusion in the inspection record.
8:44
